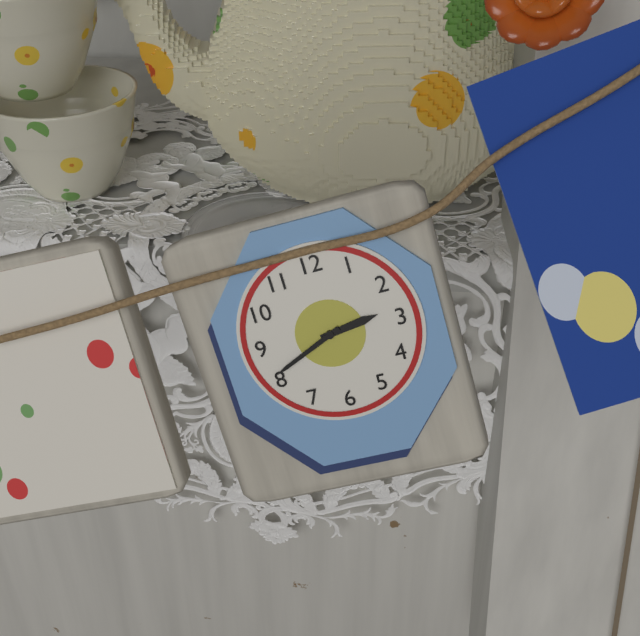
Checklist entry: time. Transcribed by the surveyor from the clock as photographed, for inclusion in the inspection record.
2:41
